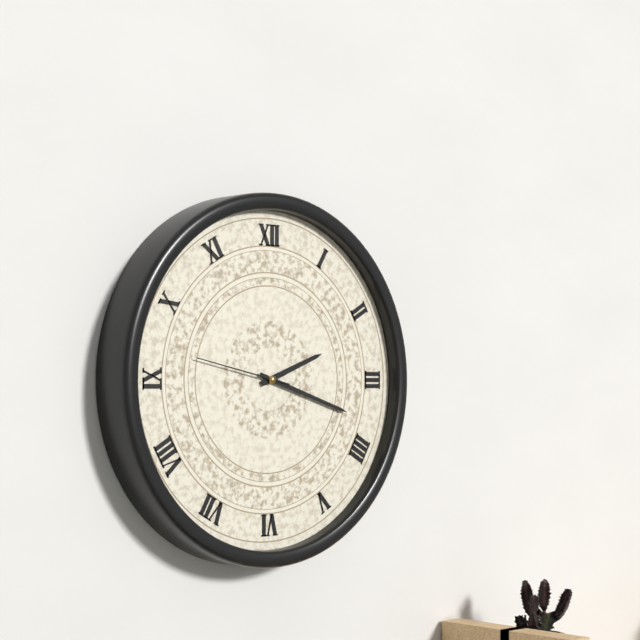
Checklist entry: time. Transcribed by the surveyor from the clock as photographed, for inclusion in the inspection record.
2:18:47
